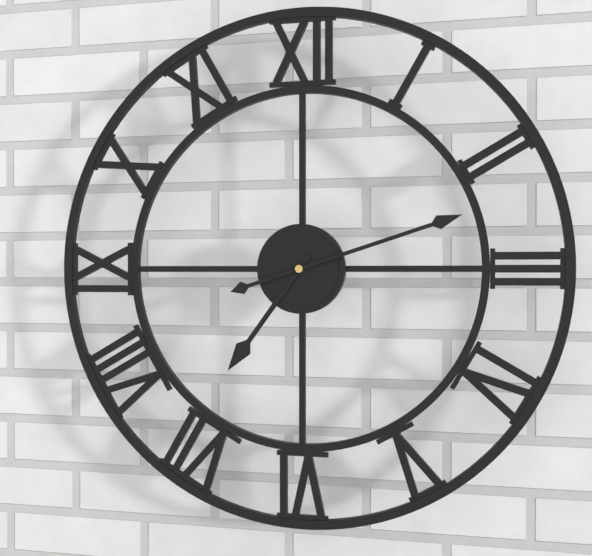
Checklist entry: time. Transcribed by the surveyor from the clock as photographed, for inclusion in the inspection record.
7:12
